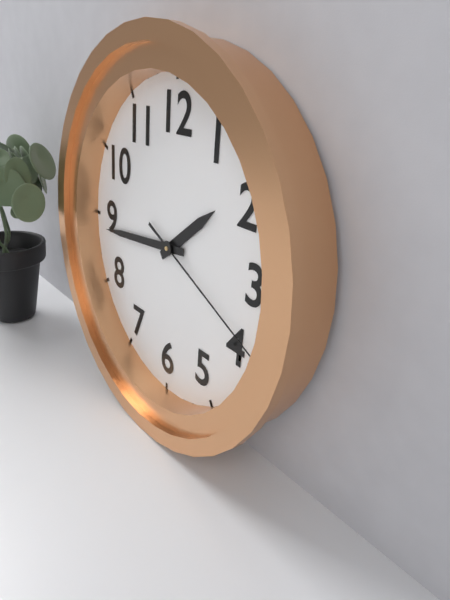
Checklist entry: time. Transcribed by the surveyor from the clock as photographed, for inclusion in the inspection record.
1:44:19
